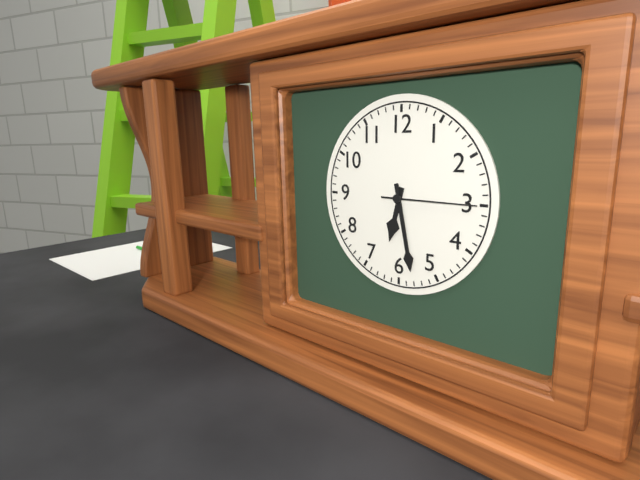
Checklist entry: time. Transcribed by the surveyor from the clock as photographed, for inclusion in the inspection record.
6:28:15
